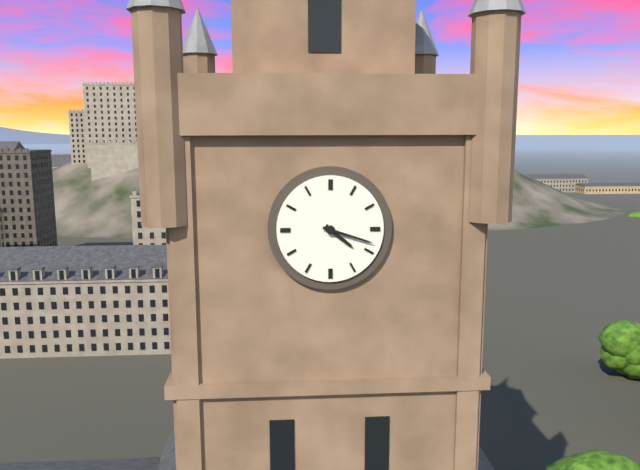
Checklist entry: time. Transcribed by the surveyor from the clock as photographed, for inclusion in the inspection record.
4:18
